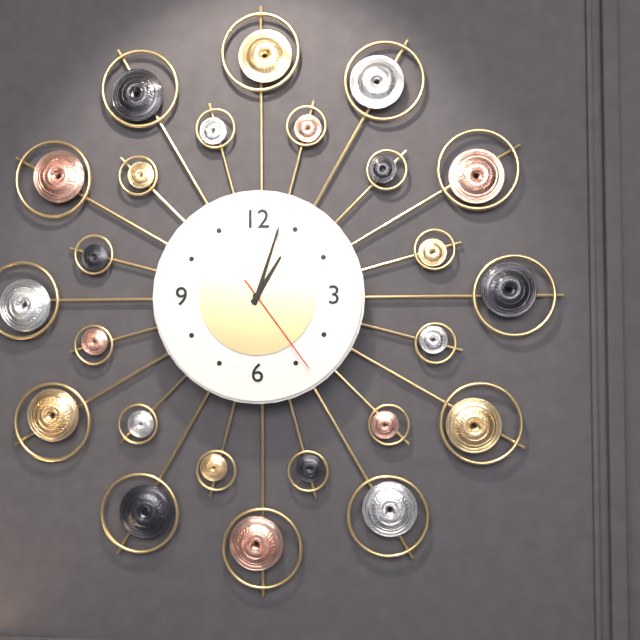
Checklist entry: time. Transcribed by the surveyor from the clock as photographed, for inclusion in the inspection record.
1:03:24
